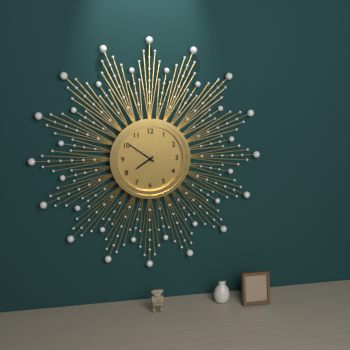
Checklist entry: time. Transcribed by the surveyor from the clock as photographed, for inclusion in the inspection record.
7:51
